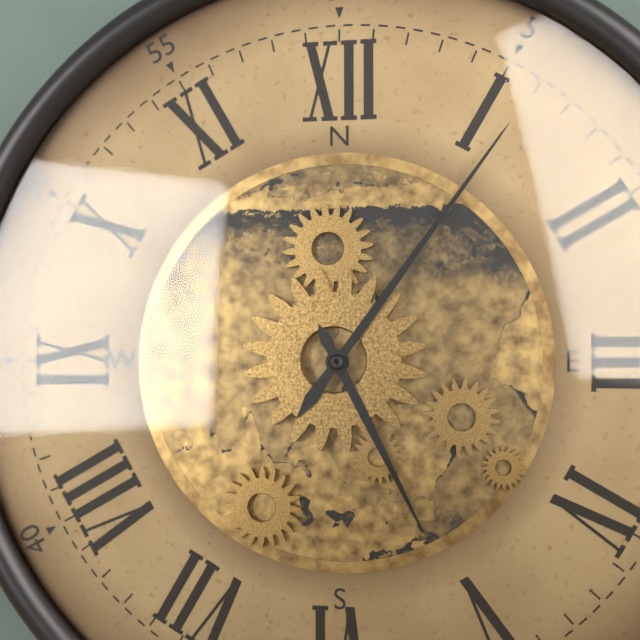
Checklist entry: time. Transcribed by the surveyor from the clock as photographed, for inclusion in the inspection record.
5:06
